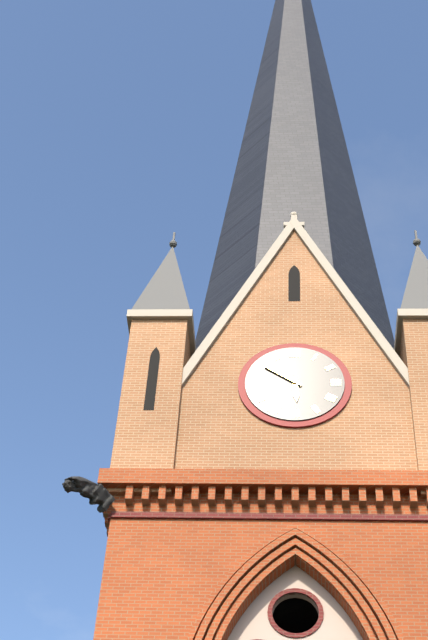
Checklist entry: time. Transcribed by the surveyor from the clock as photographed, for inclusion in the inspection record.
5:51
